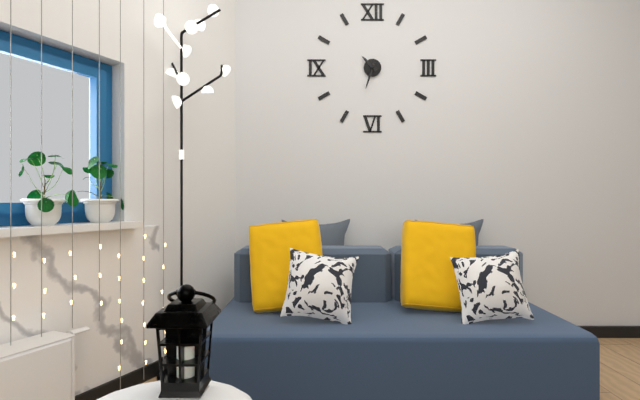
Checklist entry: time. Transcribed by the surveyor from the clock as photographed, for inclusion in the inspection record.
10:33
